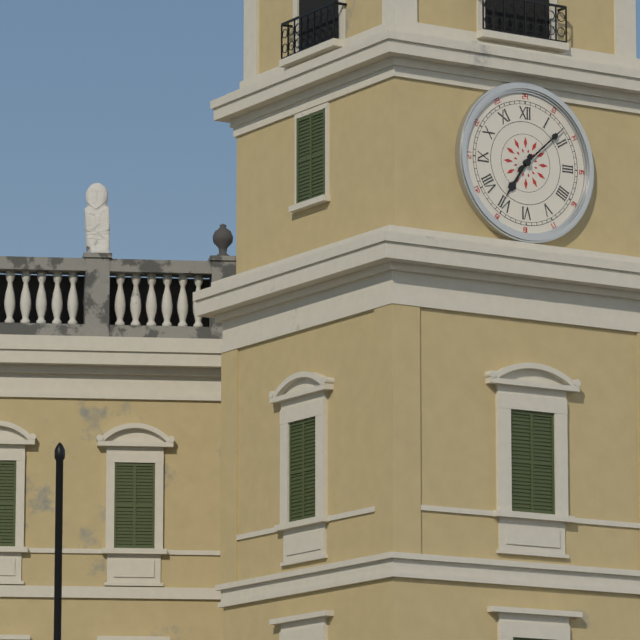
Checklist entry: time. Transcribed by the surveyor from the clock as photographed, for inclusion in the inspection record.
7:08
